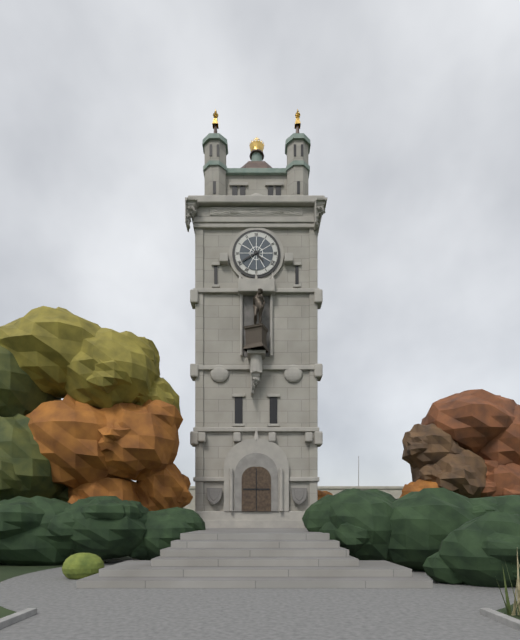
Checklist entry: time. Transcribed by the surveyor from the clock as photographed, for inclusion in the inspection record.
4:40
